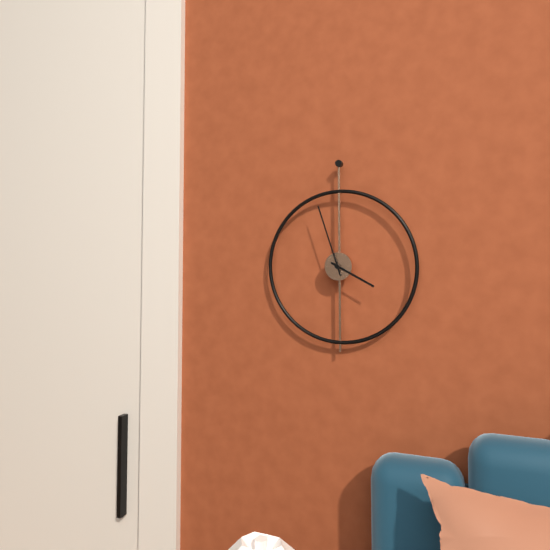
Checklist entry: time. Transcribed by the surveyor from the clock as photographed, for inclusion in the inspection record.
3:57
